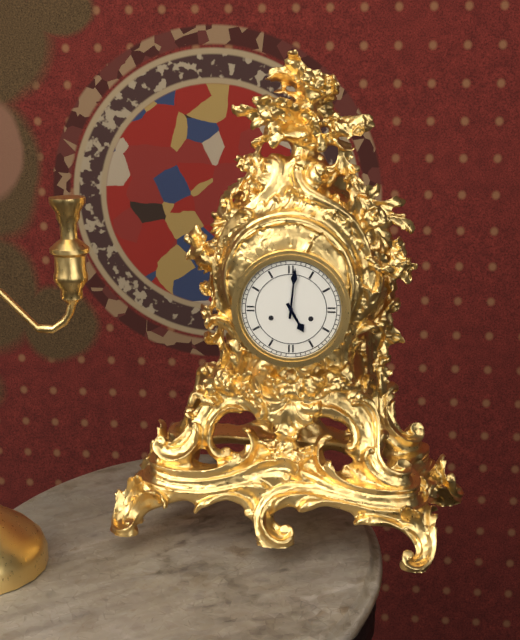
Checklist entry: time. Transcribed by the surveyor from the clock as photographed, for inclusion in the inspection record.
5:01
